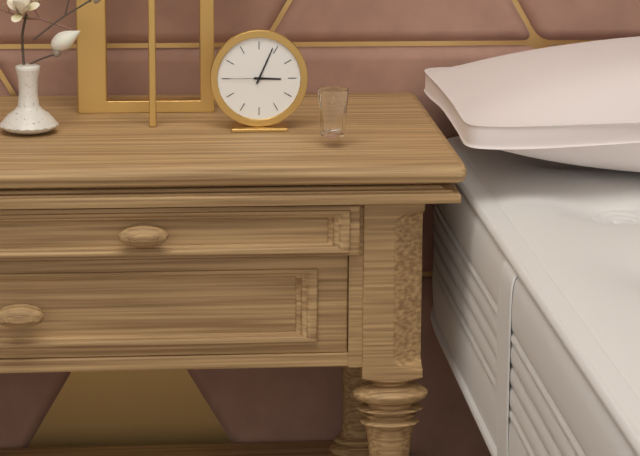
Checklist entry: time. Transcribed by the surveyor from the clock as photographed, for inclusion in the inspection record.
3:04
